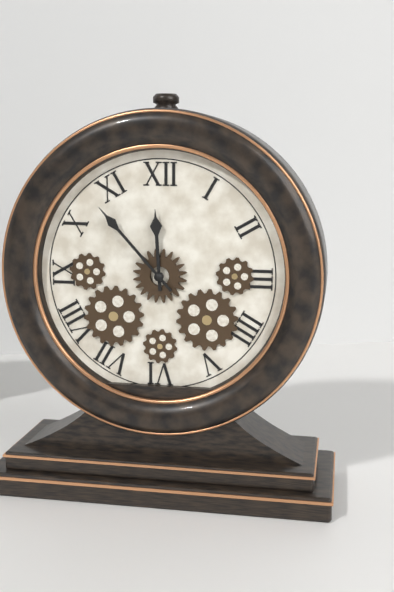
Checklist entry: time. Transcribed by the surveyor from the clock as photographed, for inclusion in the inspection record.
11:53
